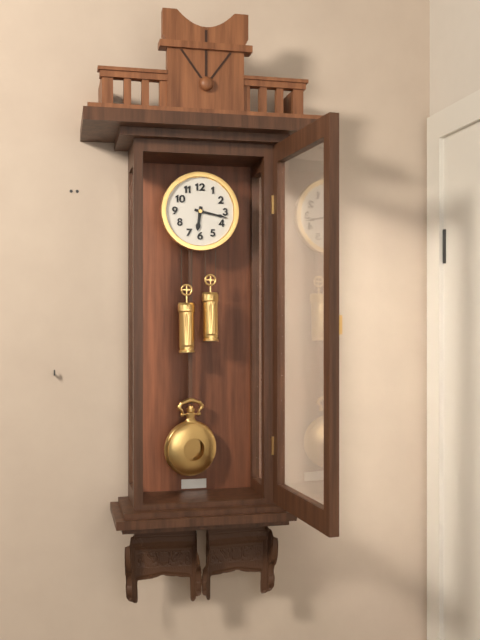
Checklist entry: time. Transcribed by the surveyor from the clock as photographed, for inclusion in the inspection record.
6:17
